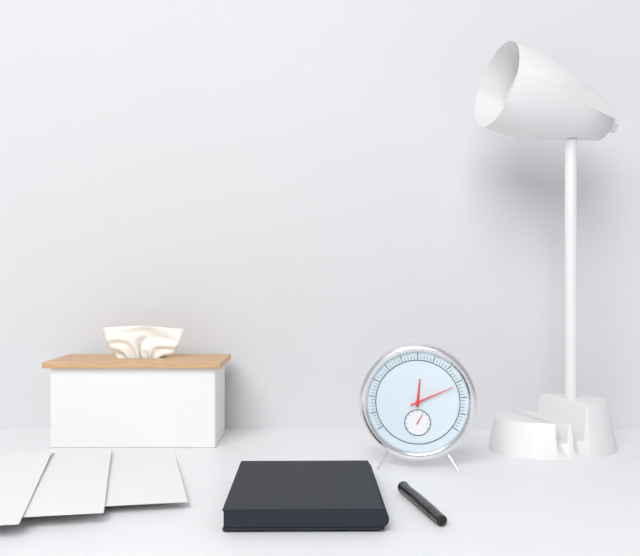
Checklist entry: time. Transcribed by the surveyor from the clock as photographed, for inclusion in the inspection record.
12:11
